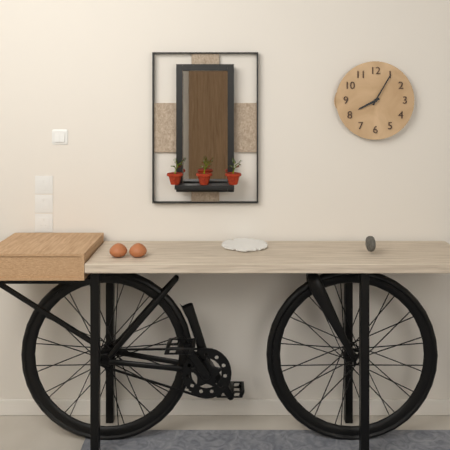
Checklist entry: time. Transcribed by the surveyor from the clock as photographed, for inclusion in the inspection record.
8:05
